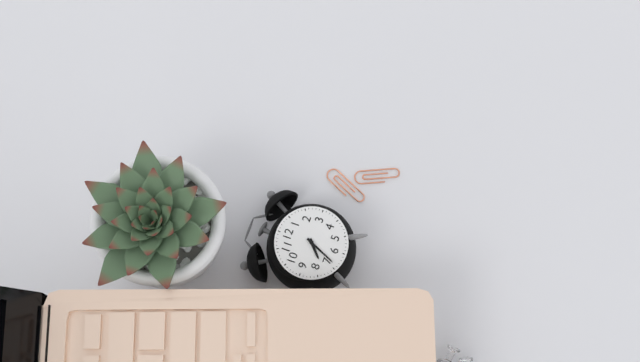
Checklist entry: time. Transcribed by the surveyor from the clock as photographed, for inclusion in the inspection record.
7:34
